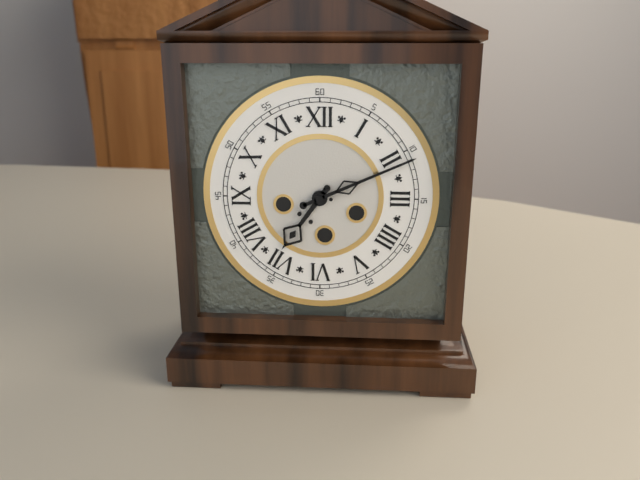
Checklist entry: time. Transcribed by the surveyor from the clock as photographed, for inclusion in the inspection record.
7:11
